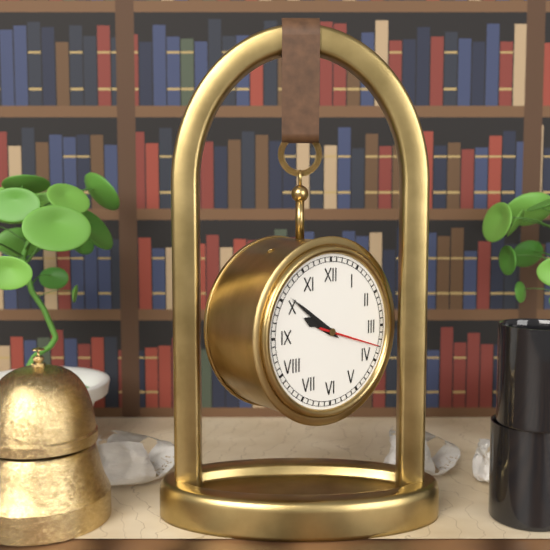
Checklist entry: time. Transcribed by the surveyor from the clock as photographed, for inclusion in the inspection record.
9:51:18
